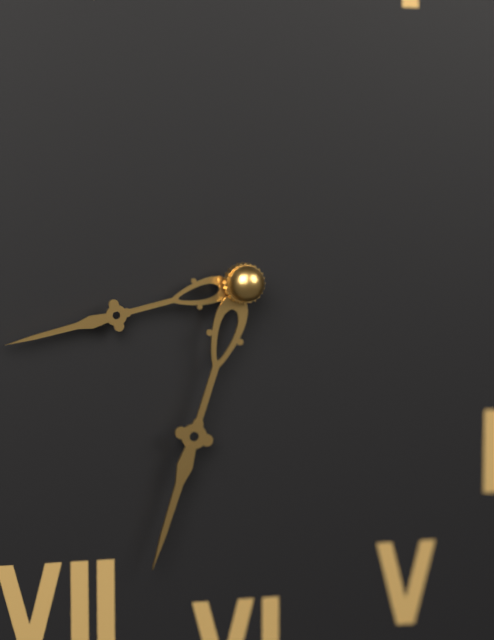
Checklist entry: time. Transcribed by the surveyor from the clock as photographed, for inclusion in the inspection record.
8:33
